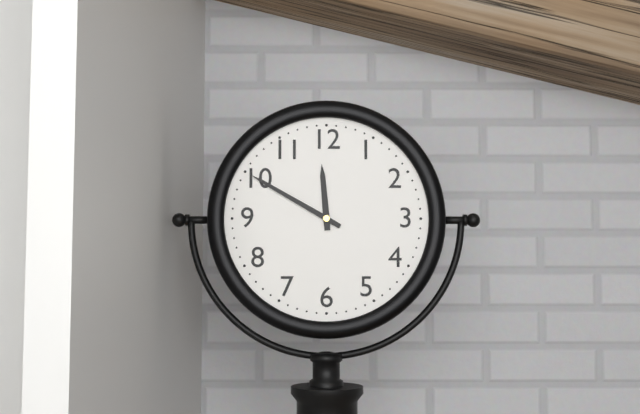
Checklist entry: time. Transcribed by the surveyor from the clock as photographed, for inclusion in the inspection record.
11:50
